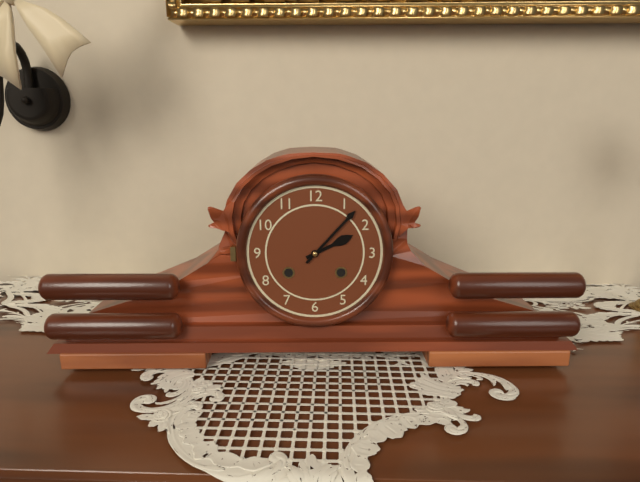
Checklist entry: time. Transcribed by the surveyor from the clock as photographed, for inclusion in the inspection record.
2:07
